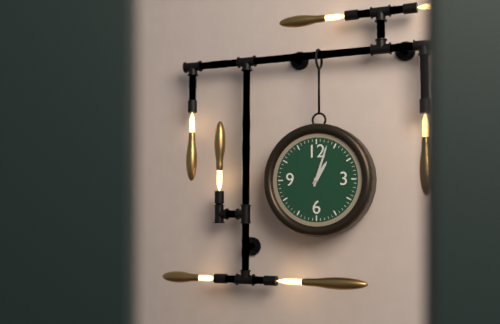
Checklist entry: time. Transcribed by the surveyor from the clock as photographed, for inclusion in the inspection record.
1:03
